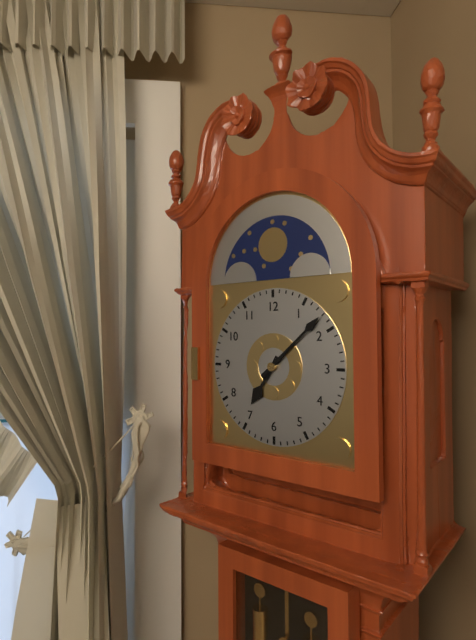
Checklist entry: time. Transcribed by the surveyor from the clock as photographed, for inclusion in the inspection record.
7:08
